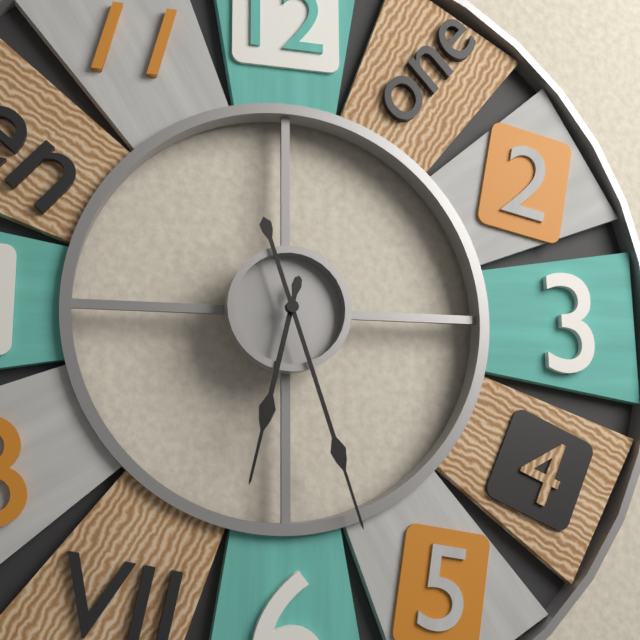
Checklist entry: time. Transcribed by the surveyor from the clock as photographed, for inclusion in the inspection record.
6:27
